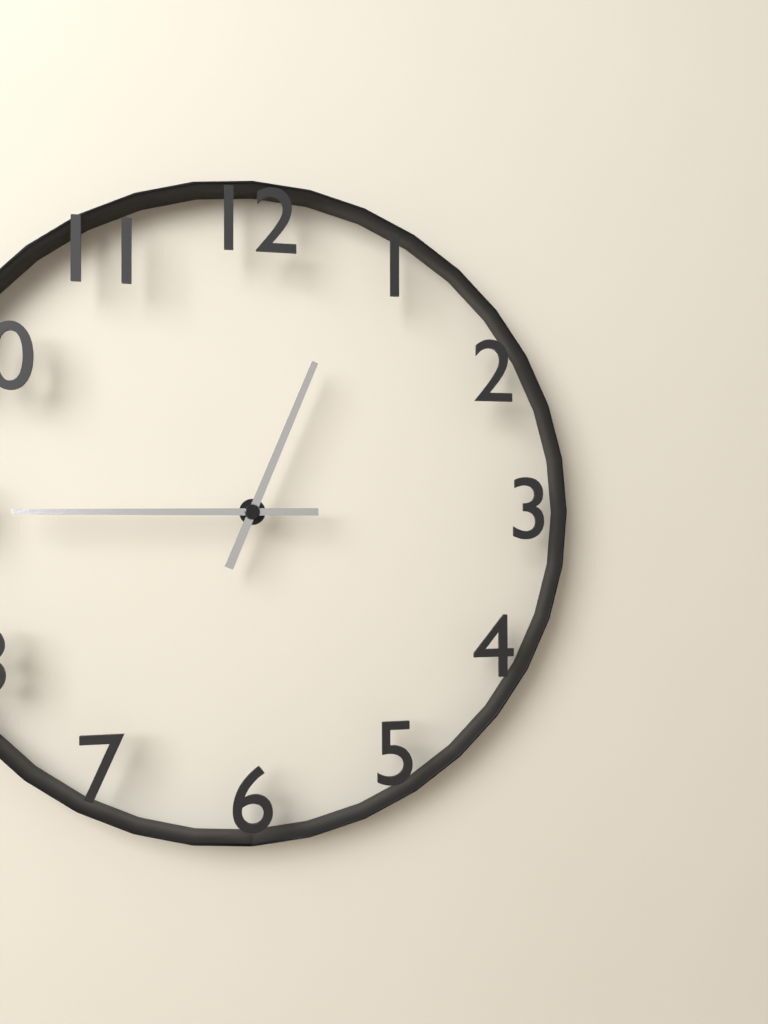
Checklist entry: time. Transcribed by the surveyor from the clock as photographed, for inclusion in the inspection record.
12:45
